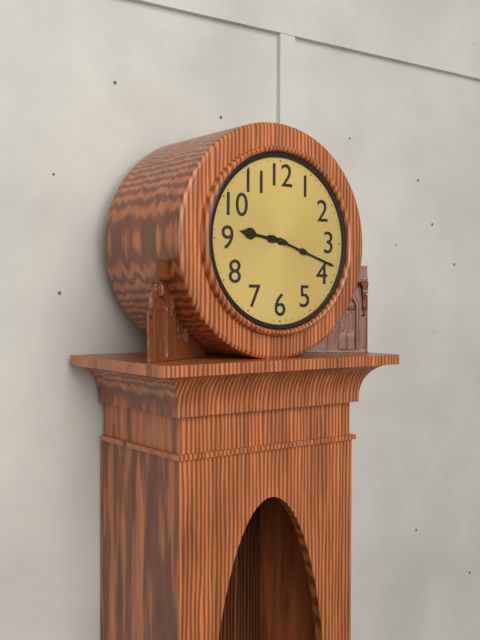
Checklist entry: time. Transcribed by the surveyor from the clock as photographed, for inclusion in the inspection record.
9:18
